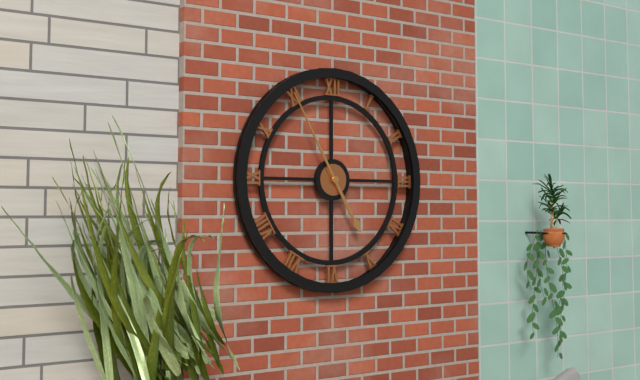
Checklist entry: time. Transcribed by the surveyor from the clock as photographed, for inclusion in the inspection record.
4:55
